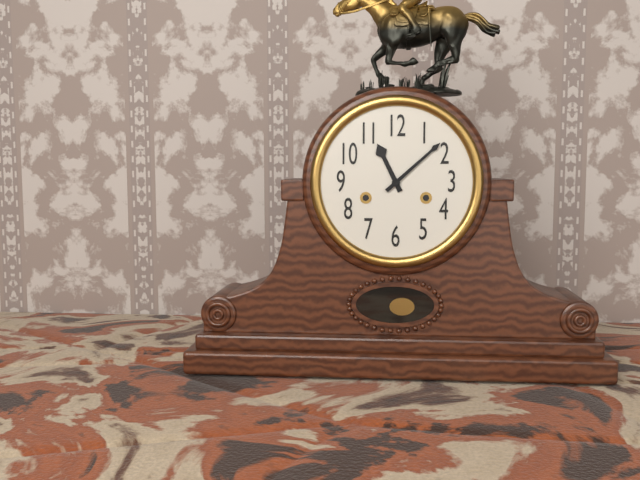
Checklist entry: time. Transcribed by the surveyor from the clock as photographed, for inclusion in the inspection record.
11:08
